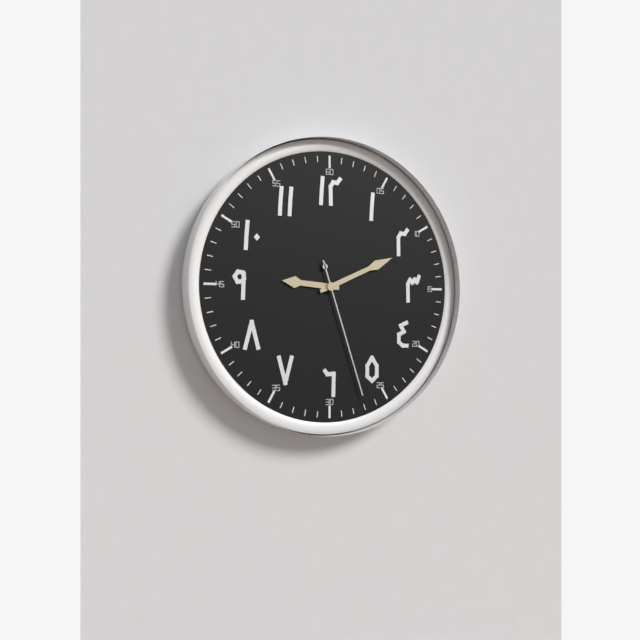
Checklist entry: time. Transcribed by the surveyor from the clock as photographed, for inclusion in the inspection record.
9:11:27
